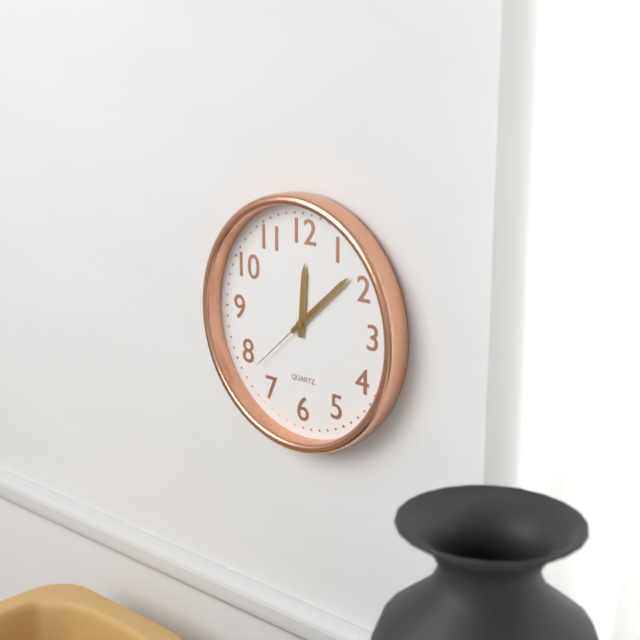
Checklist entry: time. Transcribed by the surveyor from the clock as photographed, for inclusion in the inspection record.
12:08:38
